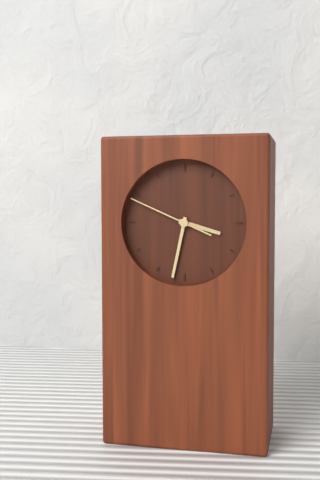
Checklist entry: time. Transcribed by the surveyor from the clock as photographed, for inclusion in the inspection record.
3:32:49
